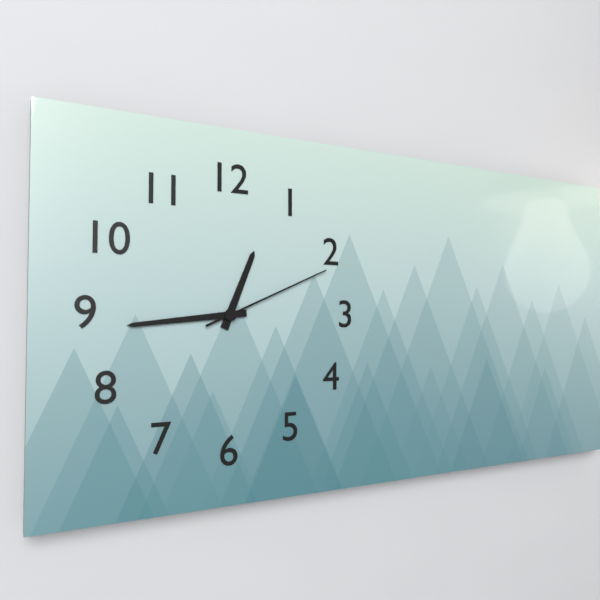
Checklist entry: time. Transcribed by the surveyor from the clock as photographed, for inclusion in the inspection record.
12:44:11
